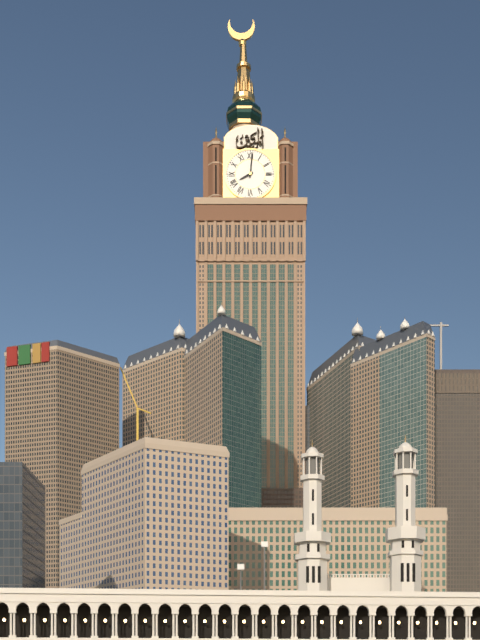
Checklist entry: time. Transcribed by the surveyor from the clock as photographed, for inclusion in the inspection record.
8:01
